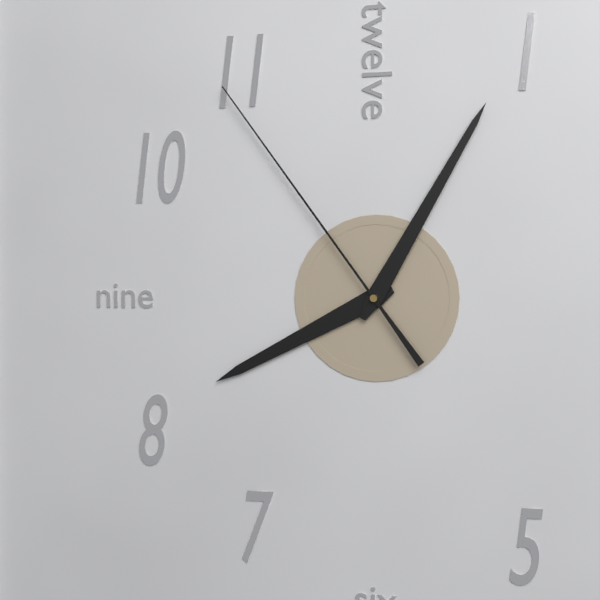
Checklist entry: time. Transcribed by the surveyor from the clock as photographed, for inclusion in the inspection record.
8:05:54
